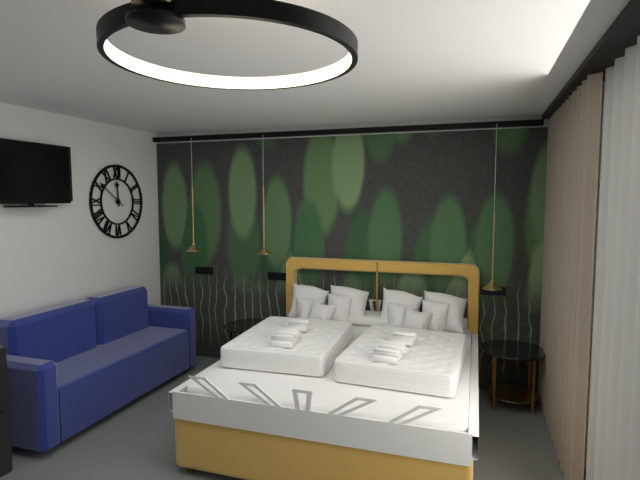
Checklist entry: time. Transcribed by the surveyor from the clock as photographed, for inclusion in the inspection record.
11:51
